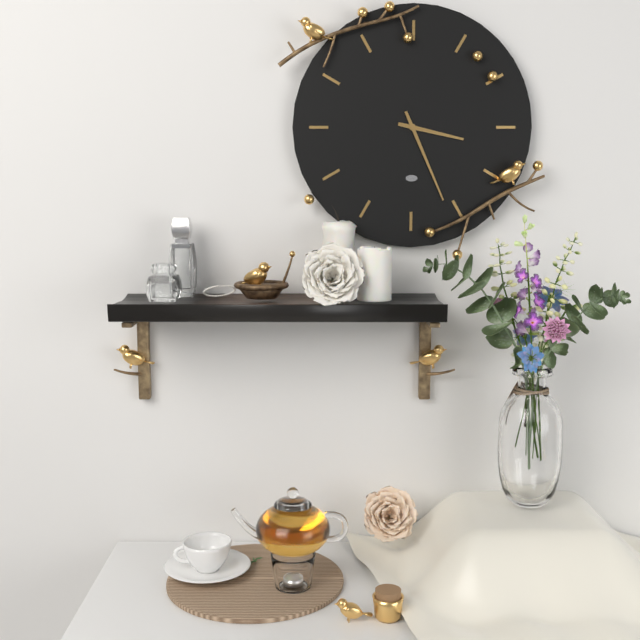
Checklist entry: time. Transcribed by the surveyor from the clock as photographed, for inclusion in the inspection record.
3:26
